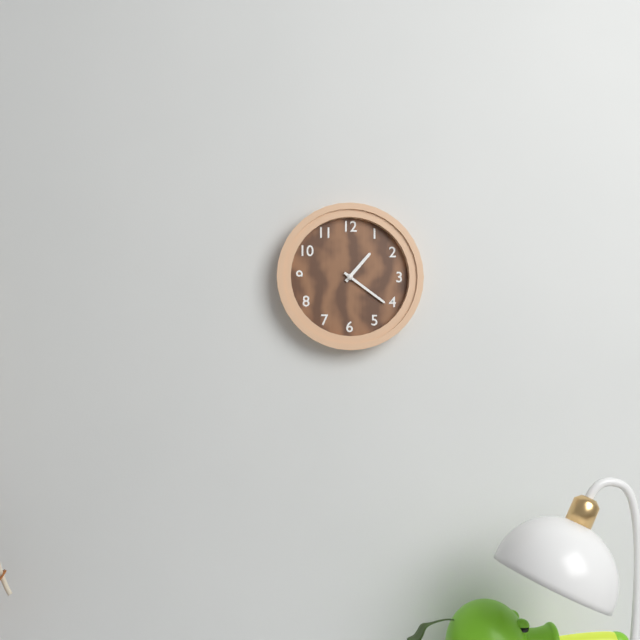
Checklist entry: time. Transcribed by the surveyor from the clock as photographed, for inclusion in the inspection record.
1:21
